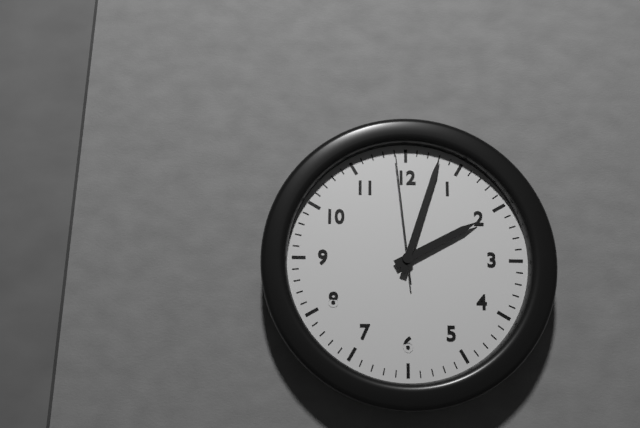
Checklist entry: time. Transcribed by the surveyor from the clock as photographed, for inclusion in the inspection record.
2:03:59
